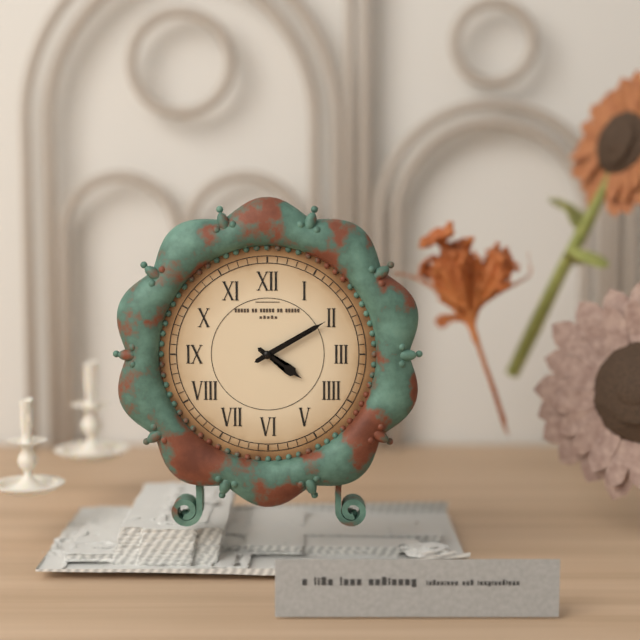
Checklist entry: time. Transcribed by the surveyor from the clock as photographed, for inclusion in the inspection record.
4:10
